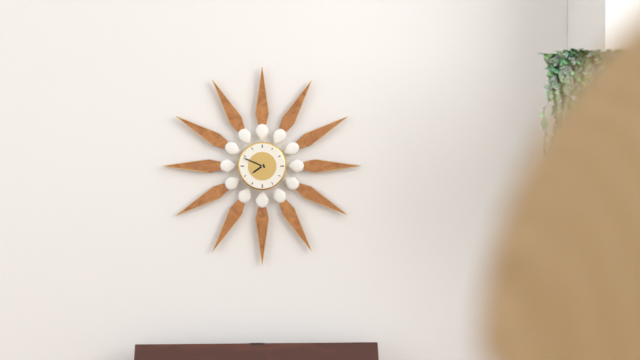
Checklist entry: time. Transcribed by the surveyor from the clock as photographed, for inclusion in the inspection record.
7:49
